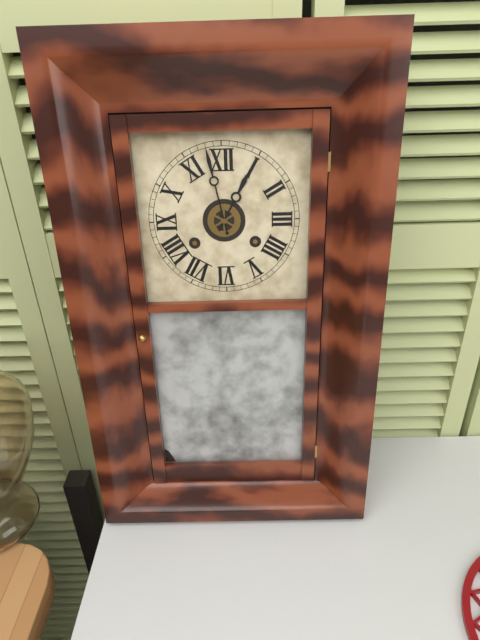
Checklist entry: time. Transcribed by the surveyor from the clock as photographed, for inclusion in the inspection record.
12:58
